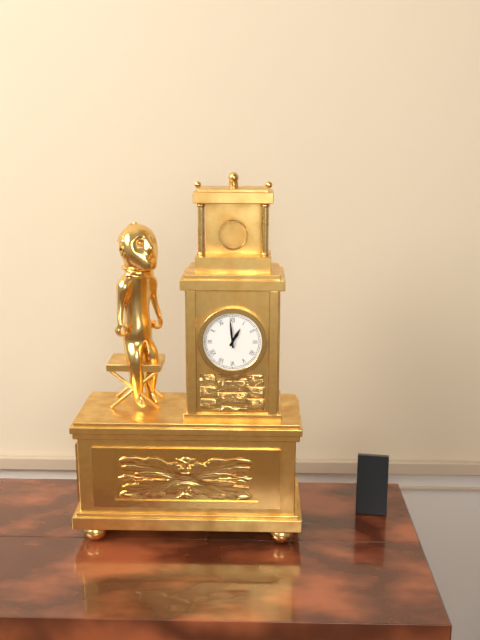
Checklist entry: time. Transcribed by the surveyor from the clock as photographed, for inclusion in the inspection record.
12:59
